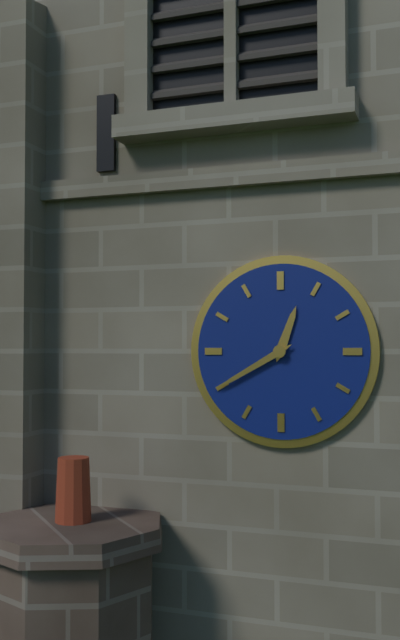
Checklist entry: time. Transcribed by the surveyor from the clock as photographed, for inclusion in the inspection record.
12:40
